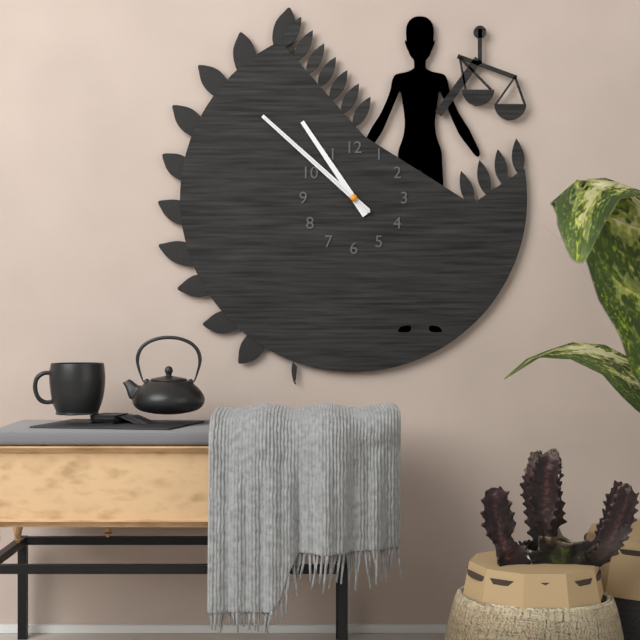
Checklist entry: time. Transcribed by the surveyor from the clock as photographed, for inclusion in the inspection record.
10:52:52
